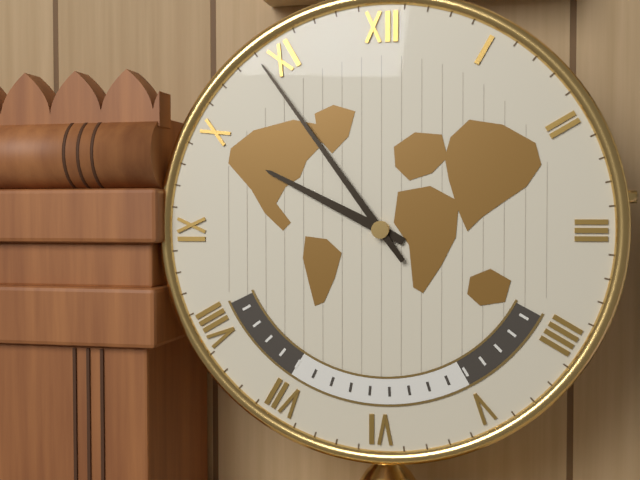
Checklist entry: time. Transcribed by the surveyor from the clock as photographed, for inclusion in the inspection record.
9:54
